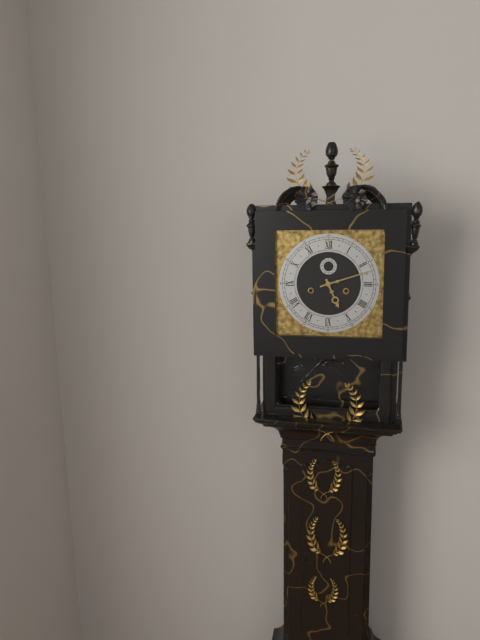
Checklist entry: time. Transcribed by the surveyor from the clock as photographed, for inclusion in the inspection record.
5:12
